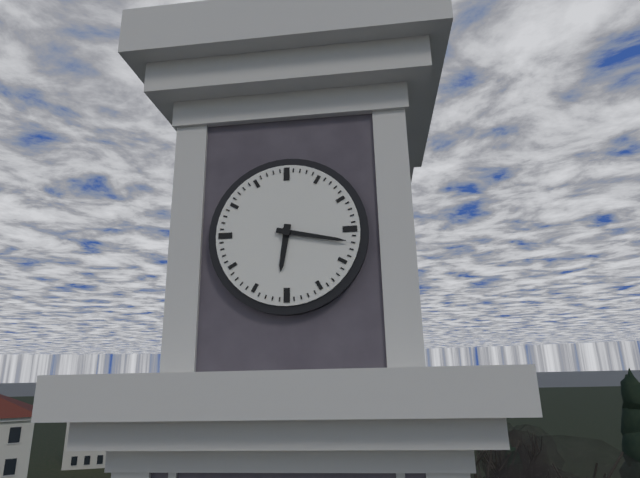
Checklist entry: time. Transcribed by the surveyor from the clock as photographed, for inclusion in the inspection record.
6:17
